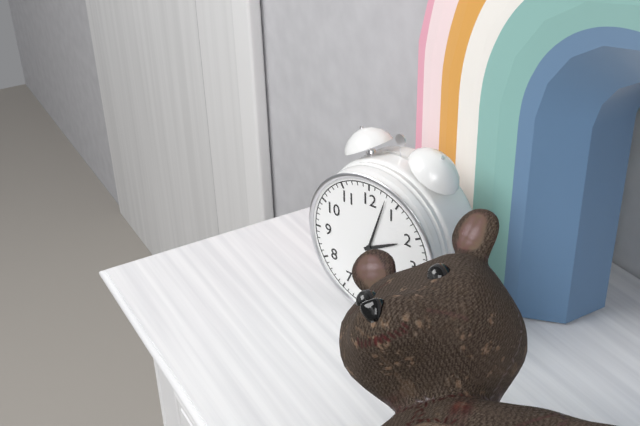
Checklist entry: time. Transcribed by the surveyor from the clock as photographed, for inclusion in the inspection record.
2:03
